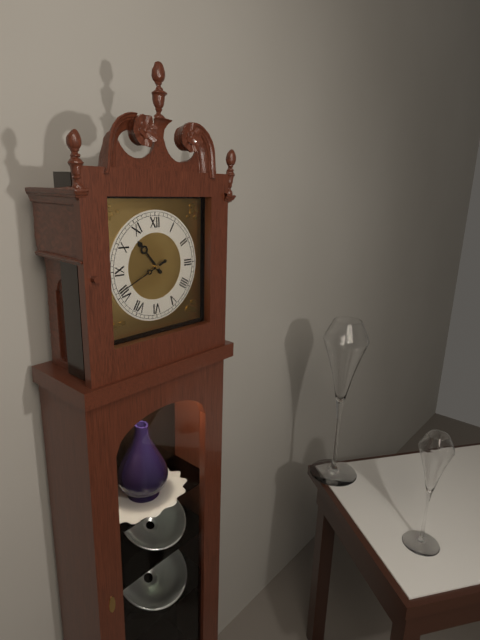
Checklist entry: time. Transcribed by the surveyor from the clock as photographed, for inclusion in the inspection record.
10:41
